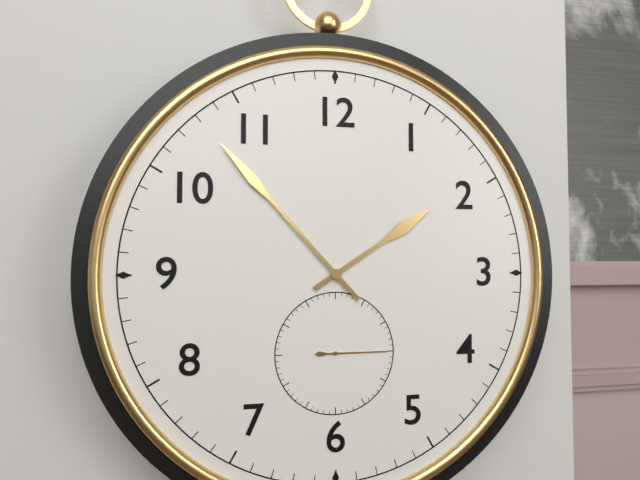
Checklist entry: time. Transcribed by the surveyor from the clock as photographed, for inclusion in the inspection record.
1:53:15
